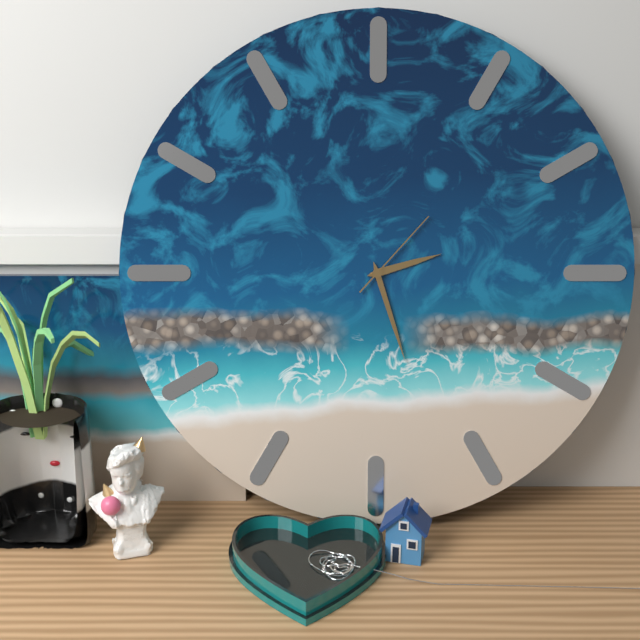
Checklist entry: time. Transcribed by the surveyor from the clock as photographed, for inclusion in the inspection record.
2:27:07
